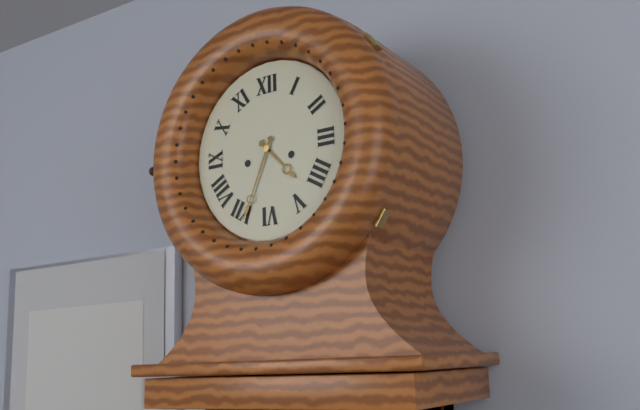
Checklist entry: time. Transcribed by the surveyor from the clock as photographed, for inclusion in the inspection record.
4:34
